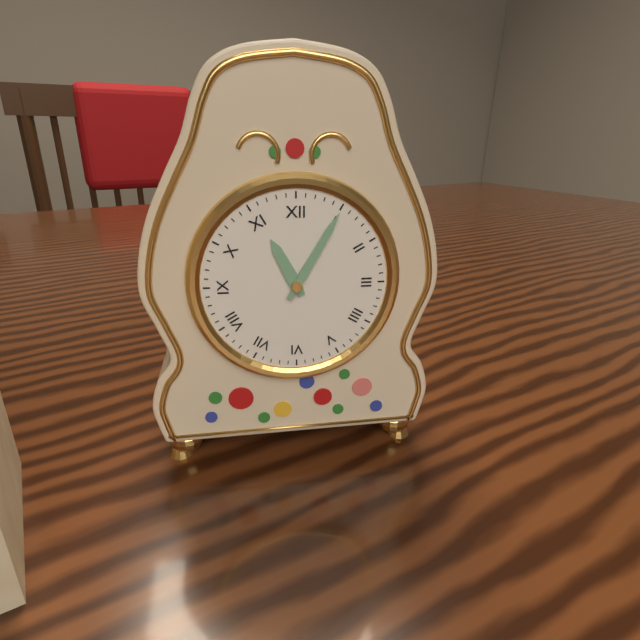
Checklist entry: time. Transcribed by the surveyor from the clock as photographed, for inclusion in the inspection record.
11:05
